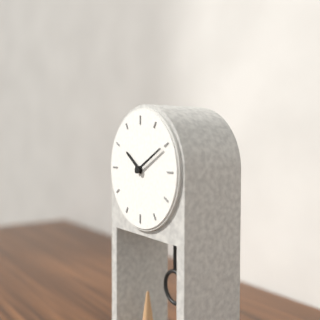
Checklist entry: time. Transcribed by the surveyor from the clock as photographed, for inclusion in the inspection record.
10:10
